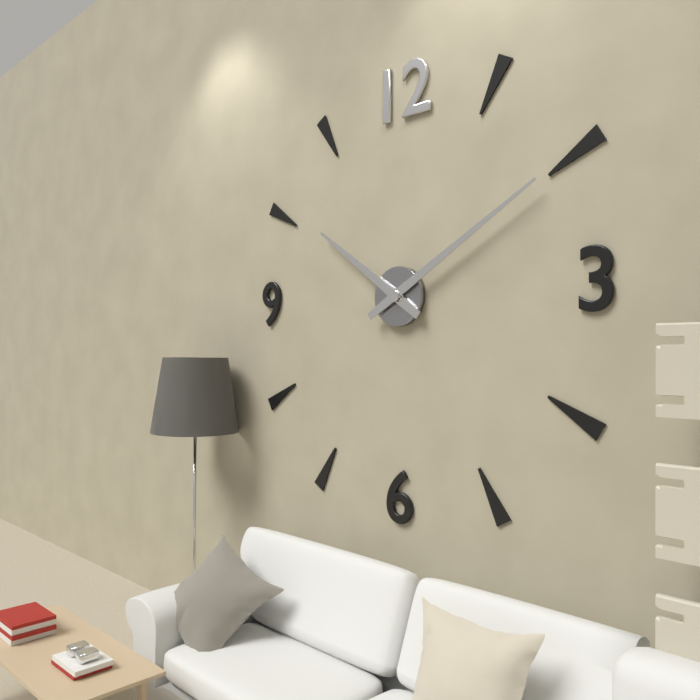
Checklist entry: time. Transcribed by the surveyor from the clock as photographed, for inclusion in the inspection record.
10:10
